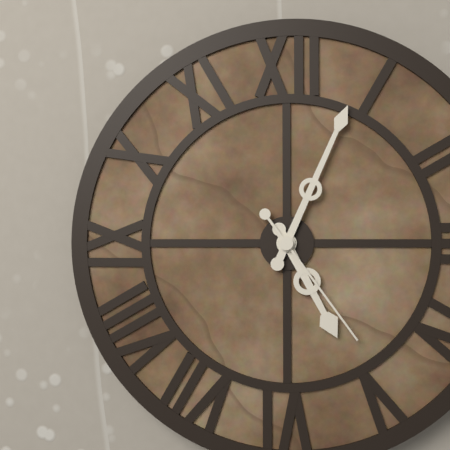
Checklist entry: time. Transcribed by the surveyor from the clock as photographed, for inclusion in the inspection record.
5:04:24
